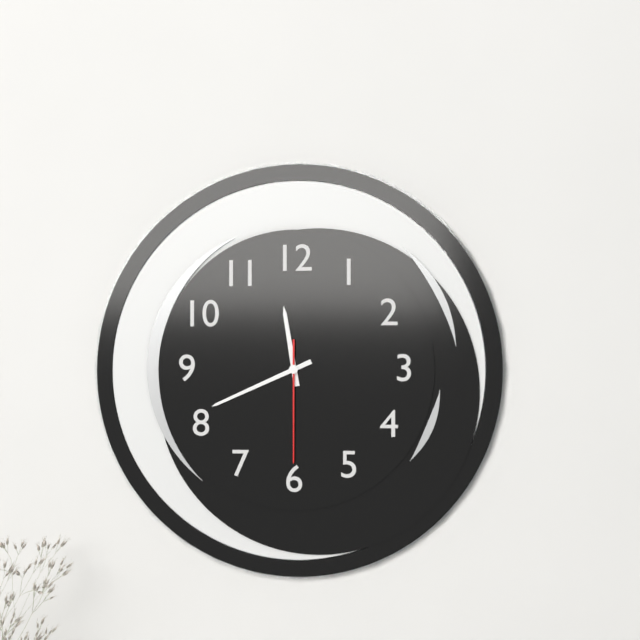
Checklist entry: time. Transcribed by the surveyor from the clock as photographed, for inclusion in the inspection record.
11:41:30
